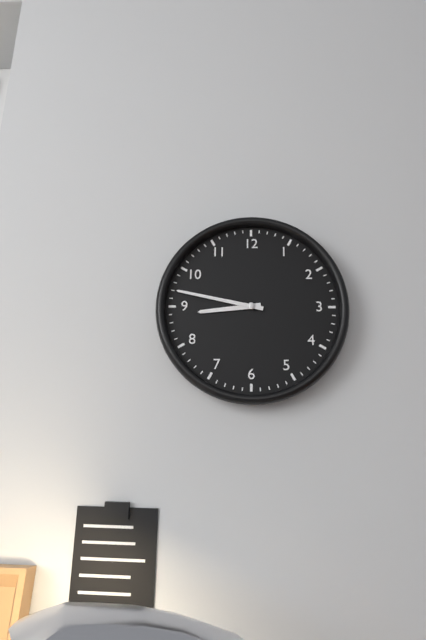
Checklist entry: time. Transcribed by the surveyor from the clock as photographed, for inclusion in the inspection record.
8:47
